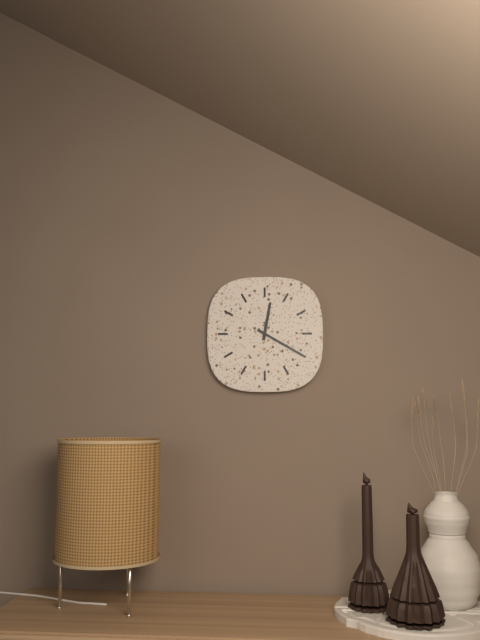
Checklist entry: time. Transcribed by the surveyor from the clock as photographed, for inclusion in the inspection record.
12:20
